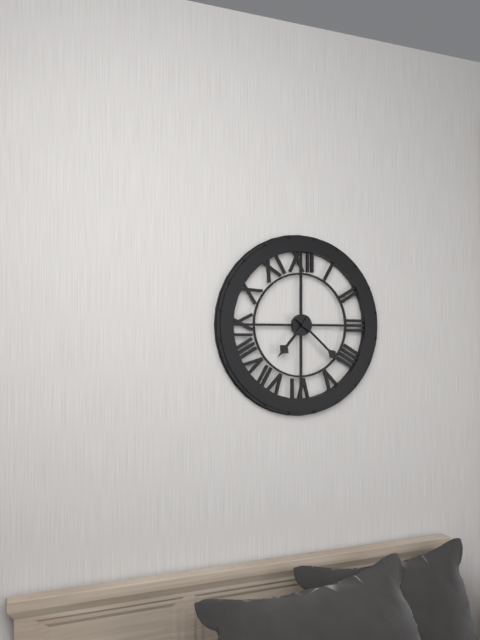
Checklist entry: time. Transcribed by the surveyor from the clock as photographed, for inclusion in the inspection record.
7:22
